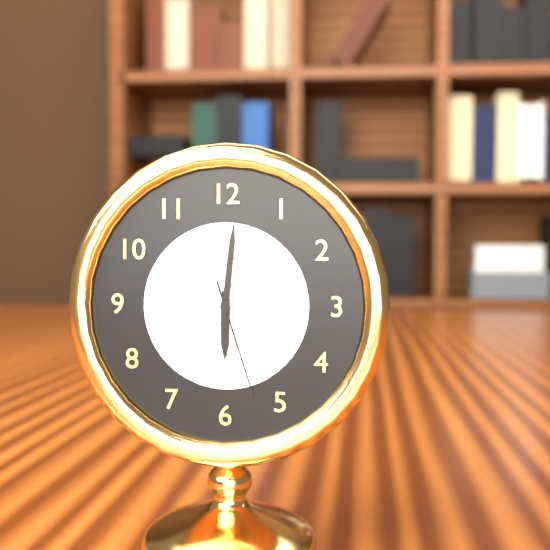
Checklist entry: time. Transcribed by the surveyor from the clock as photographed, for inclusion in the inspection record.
6:01:27
